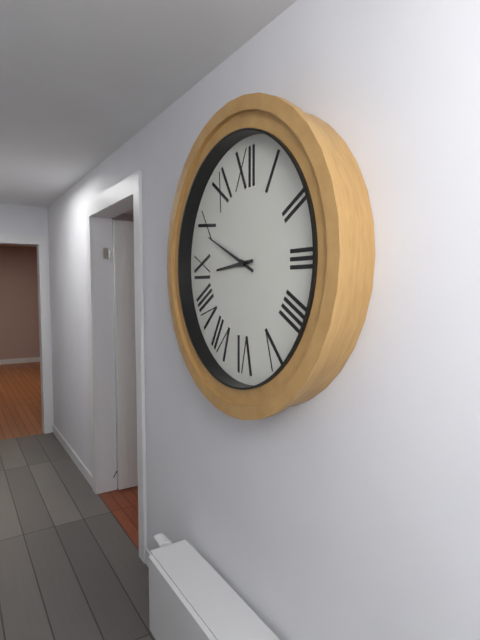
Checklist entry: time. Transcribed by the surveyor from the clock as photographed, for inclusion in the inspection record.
8:49
